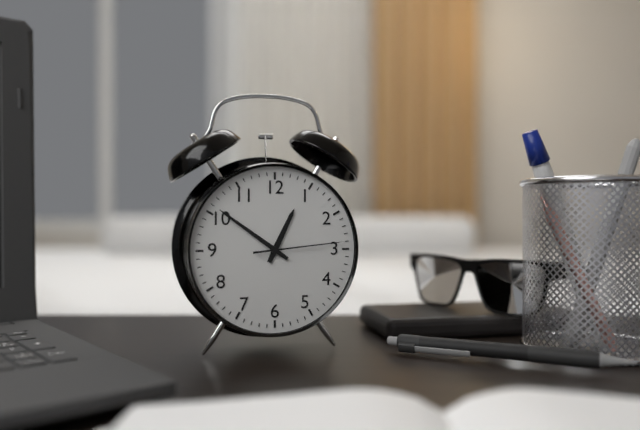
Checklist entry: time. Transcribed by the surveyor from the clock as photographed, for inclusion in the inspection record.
12:51:14
